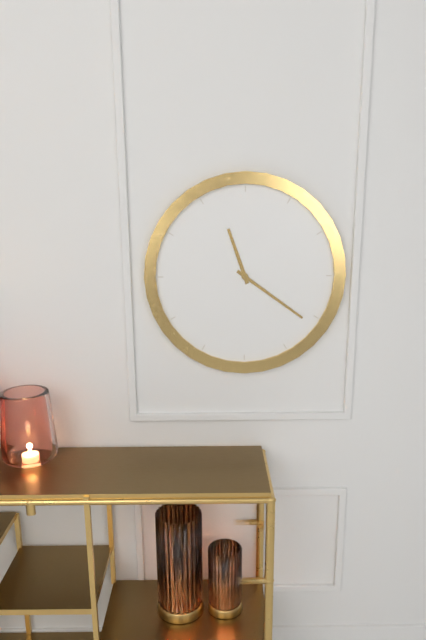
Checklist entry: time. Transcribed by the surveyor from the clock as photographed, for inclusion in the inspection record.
11:21
